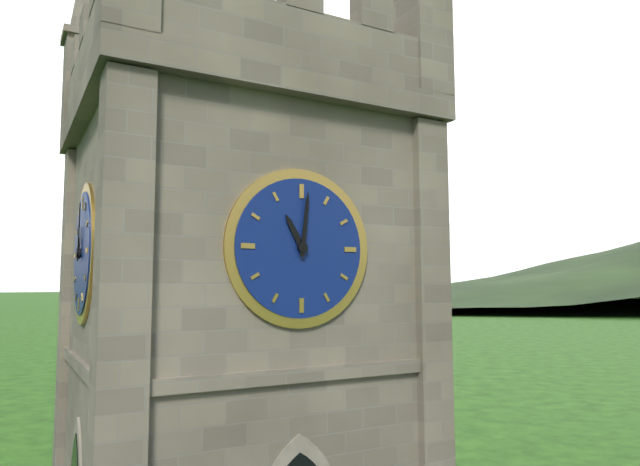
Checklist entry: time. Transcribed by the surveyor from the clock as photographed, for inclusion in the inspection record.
11:01
